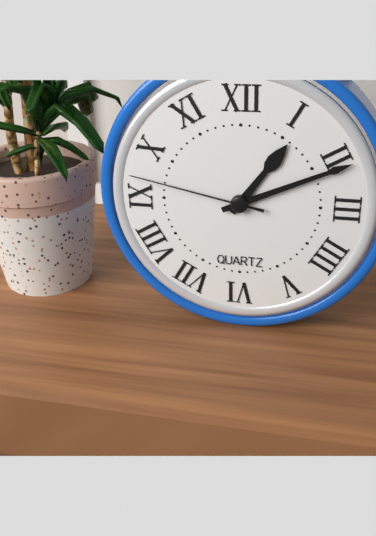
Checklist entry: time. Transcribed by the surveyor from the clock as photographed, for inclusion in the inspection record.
1:11:47
